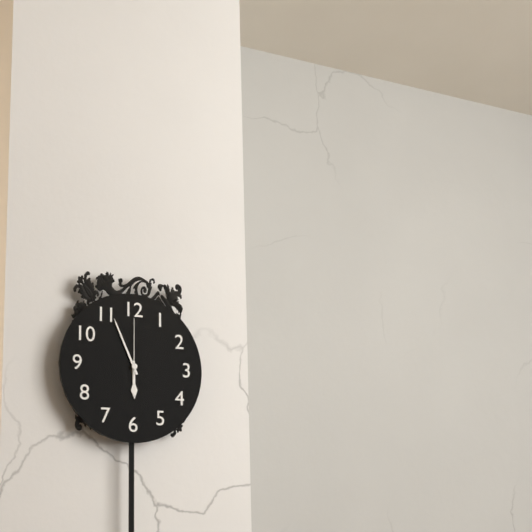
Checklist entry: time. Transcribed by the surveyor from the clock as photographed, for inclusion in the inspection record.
5:56:00
